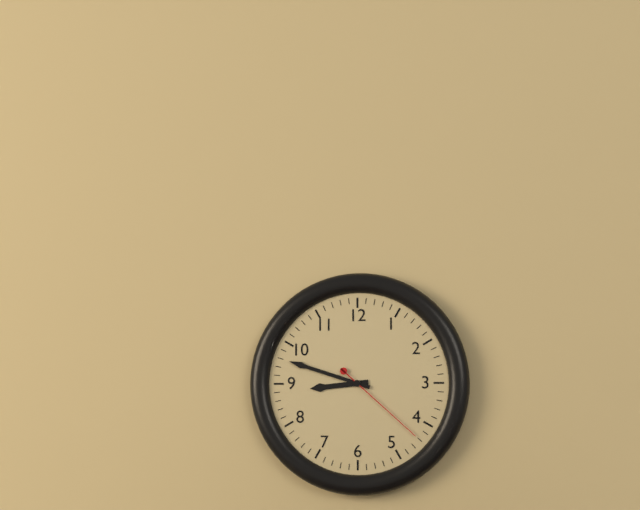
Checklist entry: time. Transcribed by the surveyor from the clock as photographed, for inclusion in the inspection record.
8:48:22
